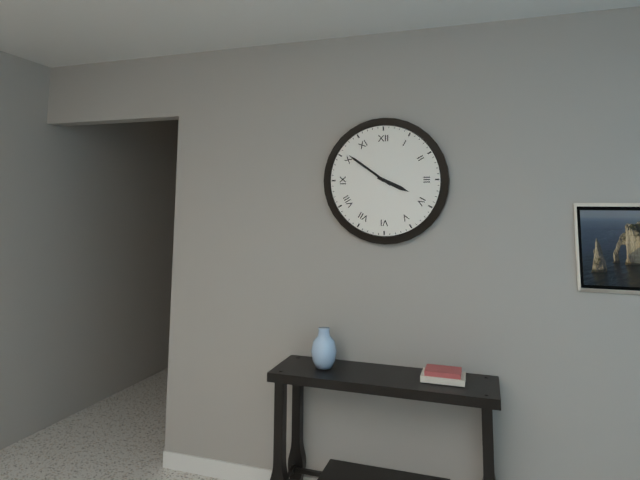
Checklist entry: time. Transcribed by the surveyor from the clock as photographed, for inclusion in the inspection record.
3:51
